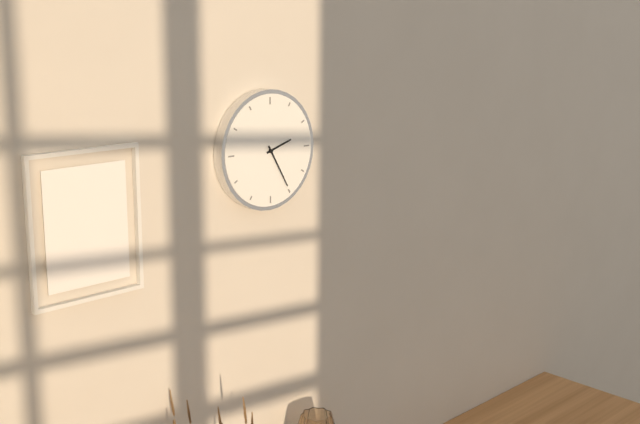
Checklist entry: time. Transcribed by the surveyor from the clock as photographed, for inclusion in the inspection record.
2:25
